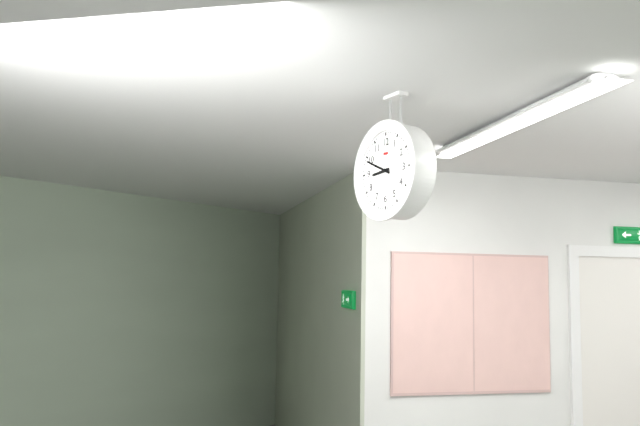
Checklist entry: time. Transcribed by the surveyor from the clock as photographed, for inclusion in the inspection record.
8:49
